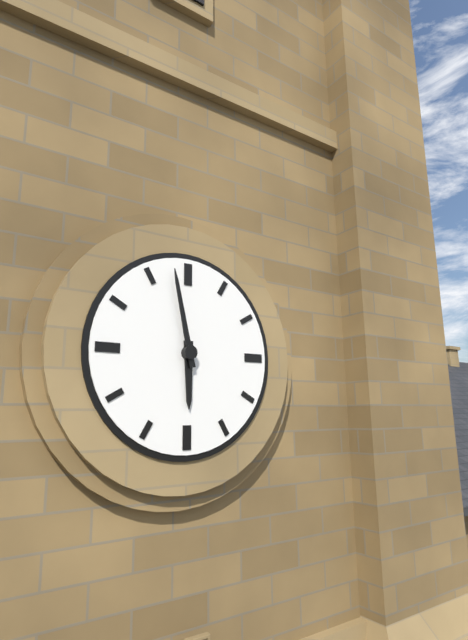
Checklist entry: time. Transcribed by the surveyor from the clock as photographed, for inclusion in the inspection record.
5:58
